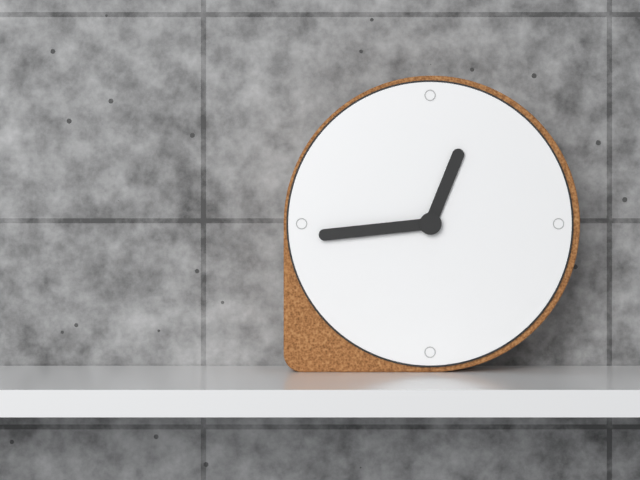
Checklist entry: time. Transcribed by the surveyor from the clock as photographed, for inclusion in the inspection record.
12:44
